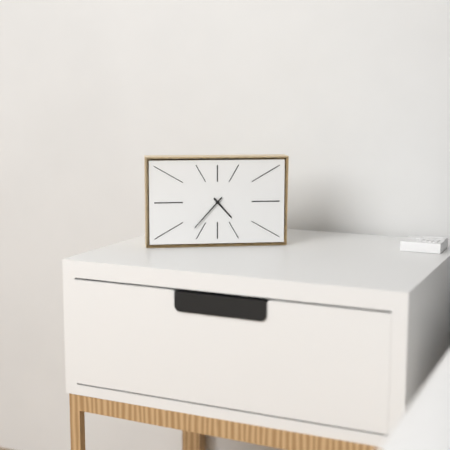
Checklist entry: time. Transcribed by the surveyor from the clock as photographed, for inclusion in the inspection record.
4:37
